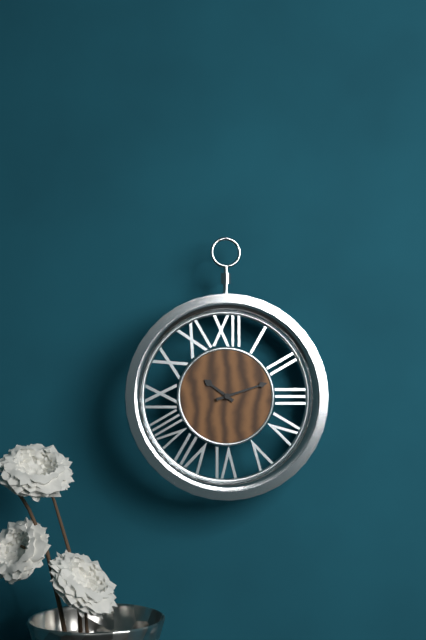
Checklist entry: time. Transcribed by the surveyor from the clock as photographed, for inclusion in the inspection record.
10:12
